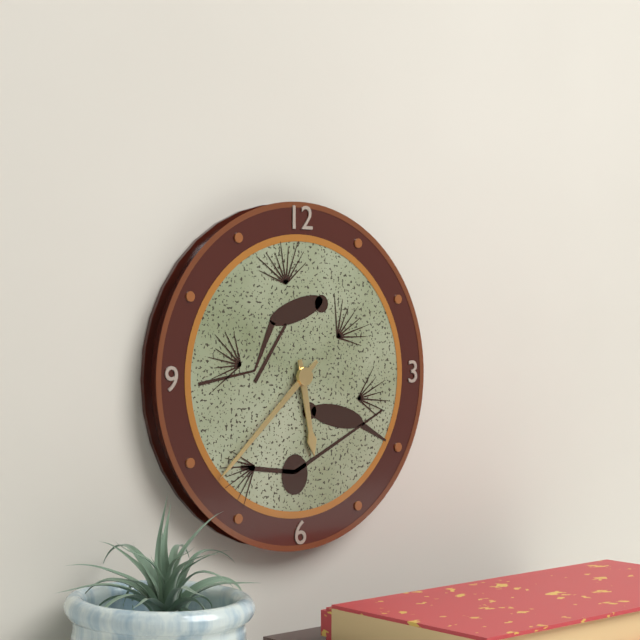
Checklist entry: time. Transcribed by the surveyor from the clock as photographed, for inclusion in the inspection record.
5:38
